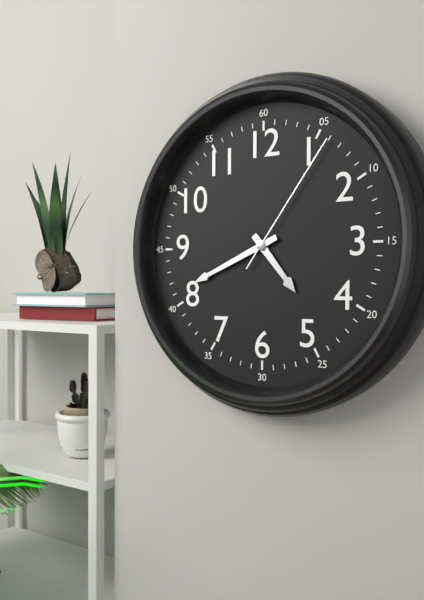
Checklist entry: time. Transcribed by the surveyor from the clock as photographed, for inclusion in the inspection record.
4:41:06
